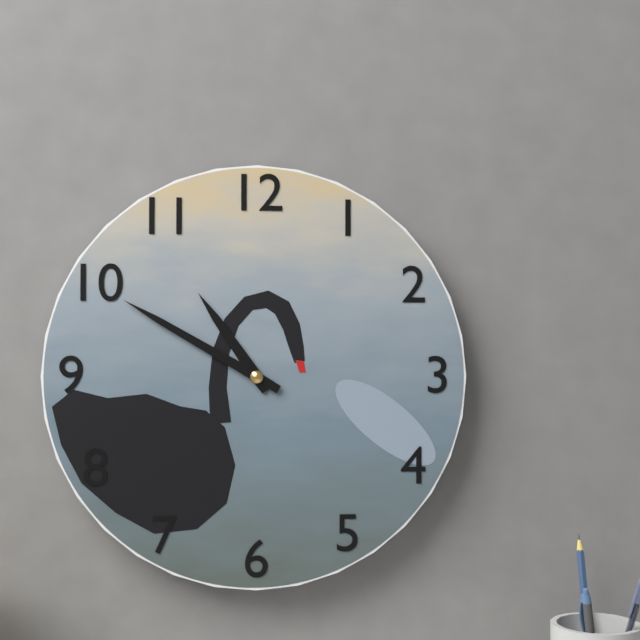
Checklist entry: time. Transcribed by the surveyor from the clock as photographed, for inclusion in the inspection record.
10:50
